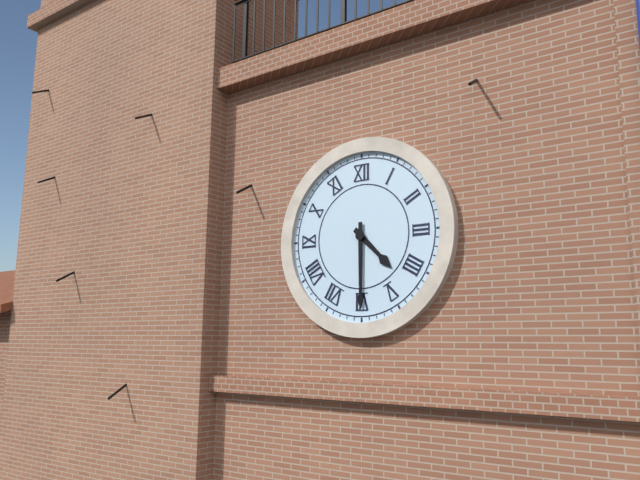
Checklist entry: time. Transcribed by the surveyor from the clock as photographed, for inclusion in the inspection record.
4:30
